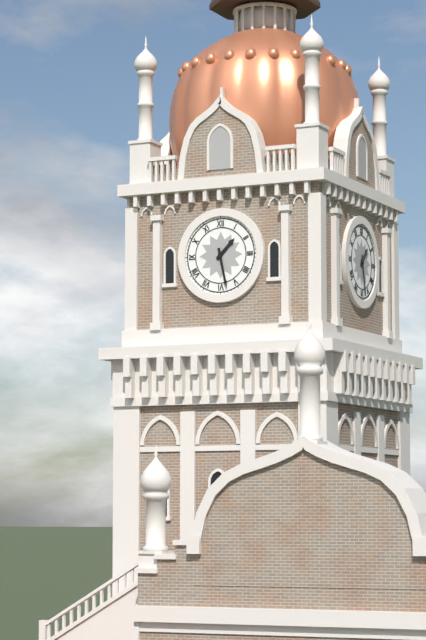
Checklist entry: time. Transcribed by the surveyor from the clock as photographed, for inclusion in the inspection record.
1:28
